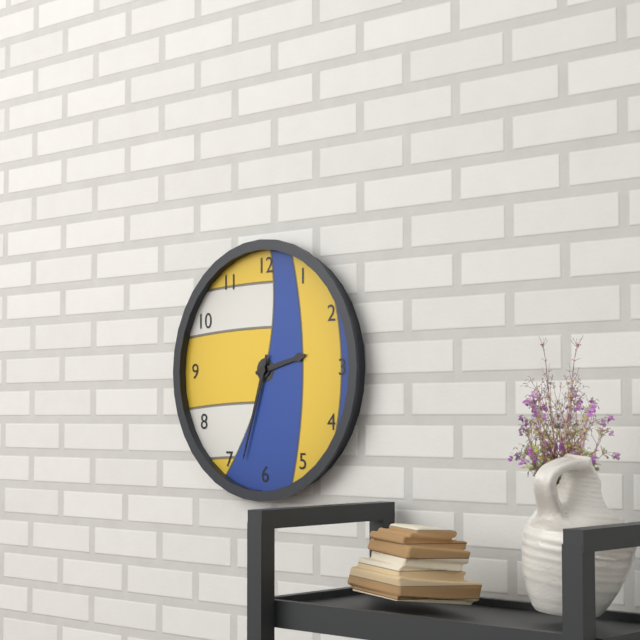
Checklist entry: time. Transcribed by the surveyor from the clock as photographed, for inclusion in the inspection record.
2:33
